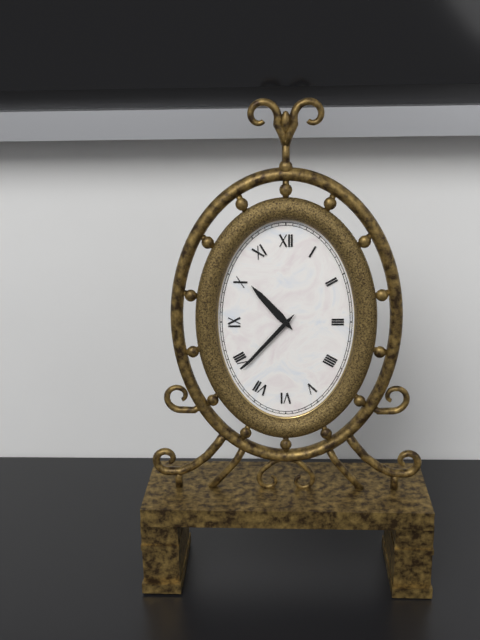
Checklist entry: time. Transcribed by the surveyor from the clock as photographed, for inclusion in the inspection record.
10:37
